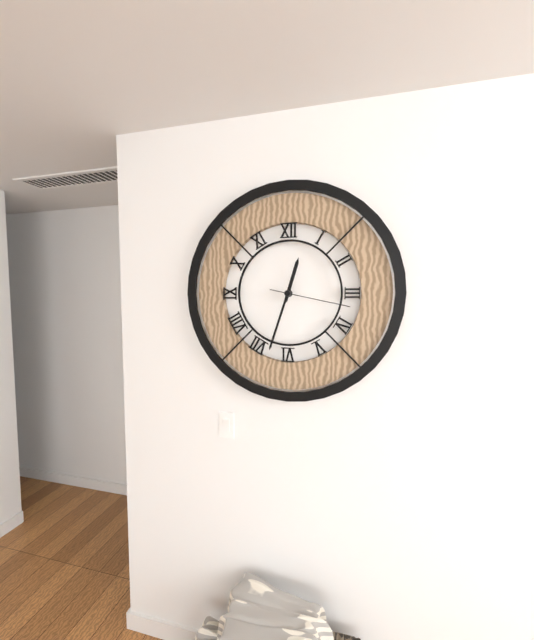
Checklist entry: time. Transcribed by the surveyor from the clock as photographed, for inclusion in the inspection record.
12:33:17
